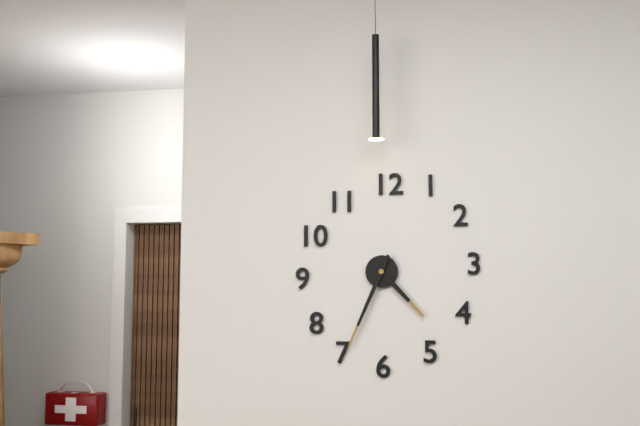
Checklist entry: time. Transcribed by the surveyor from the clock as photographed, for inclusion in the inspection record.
4:34
